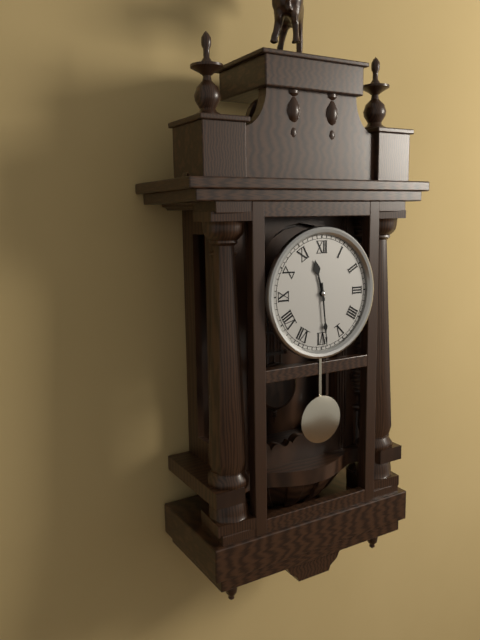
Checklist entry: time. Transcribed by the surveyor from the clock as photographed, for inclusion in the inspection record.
11:29
